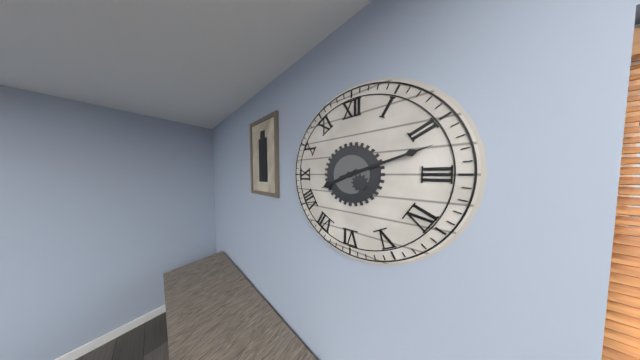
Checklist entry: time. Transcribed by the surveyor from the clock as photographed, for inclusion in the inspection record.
8:12
